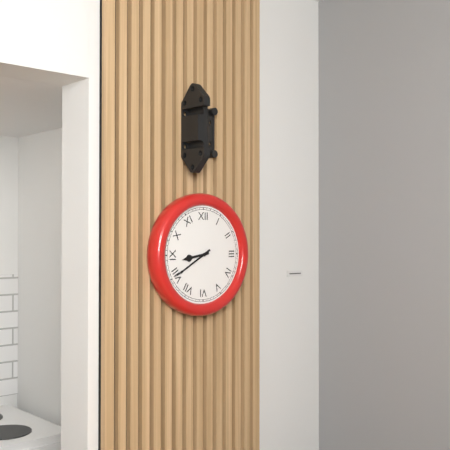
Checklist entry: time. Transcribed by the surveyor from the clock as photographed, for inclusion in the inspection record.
8:40
